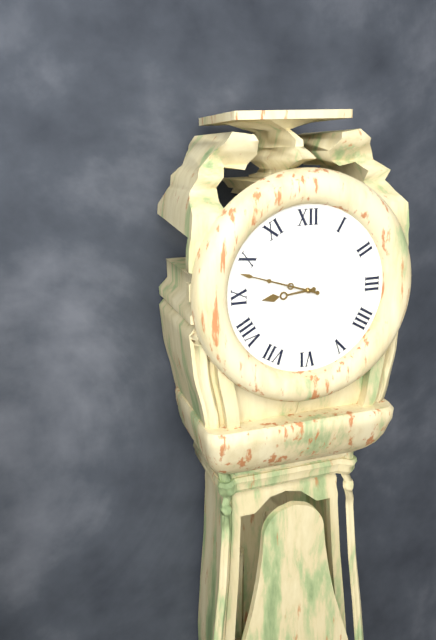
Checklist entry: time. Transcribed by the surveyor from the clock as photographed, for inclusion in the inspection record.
8:48
